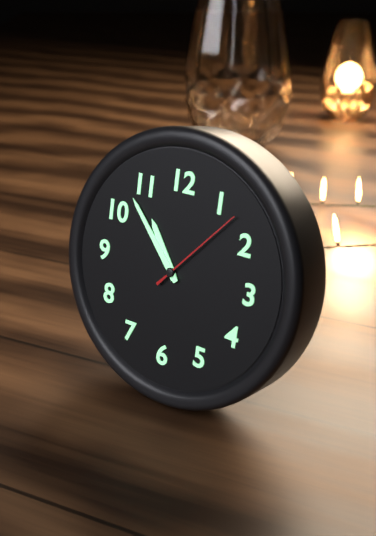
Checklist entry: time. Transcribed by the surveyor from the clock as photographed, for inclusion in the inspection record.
10:53:07
